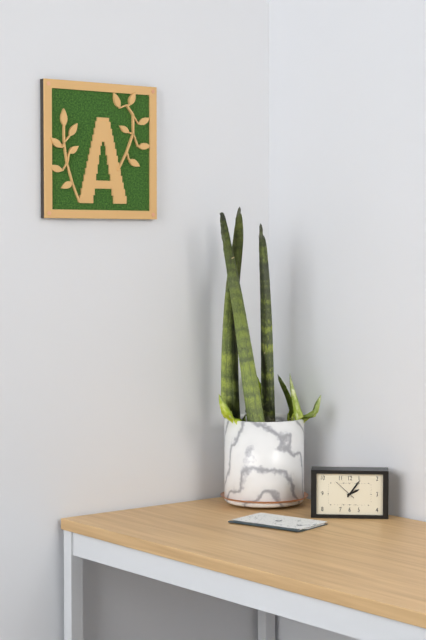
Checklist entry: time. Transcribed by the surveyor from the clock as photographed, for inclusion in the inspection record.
2:06
